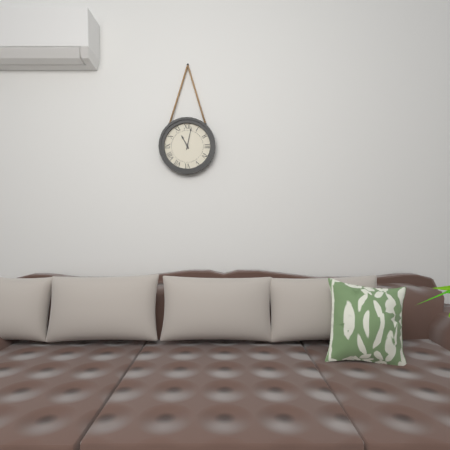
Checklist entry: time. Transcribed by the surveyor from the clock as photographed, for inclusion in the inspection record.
11:02
